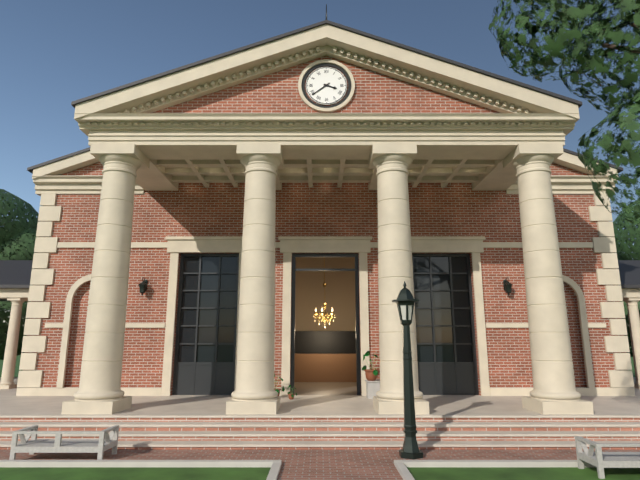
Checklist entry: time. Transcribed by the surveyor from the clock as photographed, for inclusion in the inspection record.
3:39
